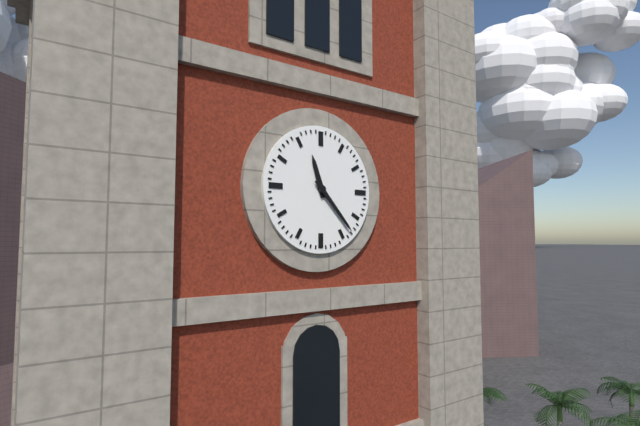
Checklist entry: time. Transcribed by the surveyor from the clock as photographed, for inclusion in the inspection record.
11:23
